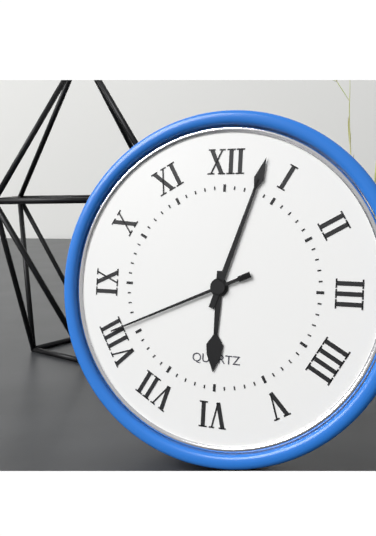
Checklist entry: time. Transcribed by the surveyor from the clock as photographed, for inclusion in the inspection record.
6:03:41
